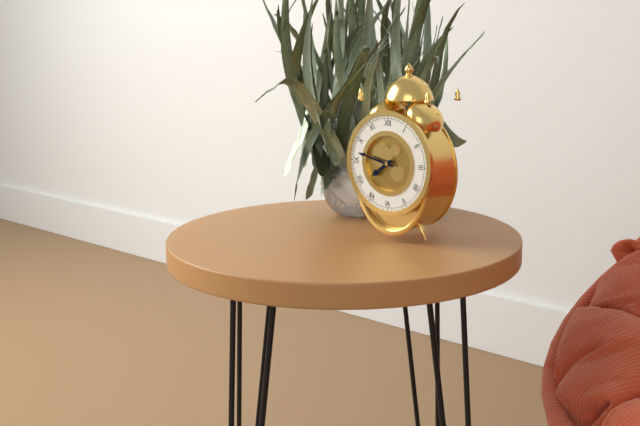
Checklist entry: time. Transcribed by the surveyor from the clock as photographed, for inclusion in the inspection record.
7:47
